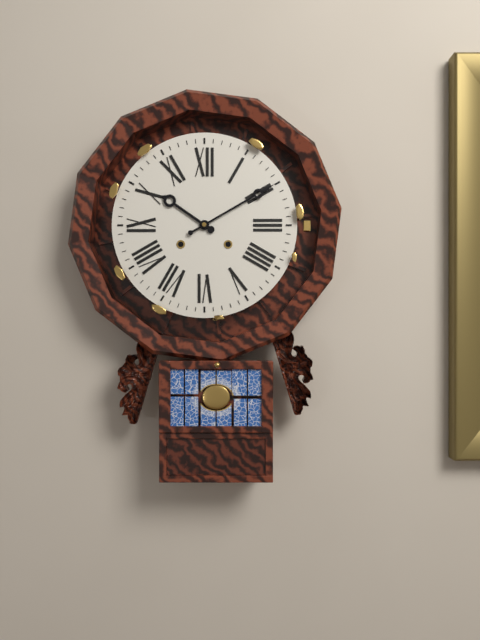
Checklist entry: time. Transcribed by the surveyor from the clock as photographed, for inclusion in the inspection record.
10:10
